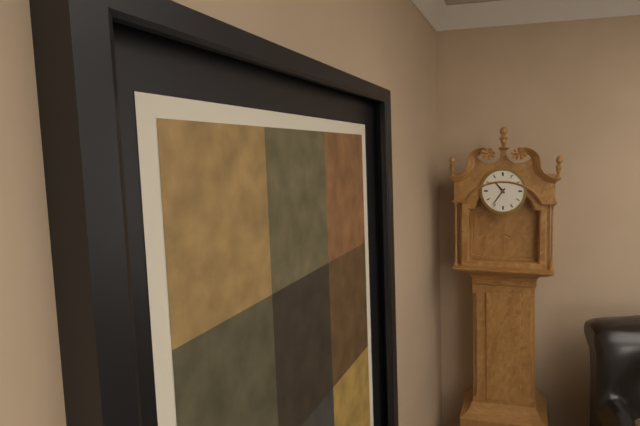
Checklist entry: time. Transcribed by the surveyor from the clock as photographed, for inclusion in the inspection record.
10:36
